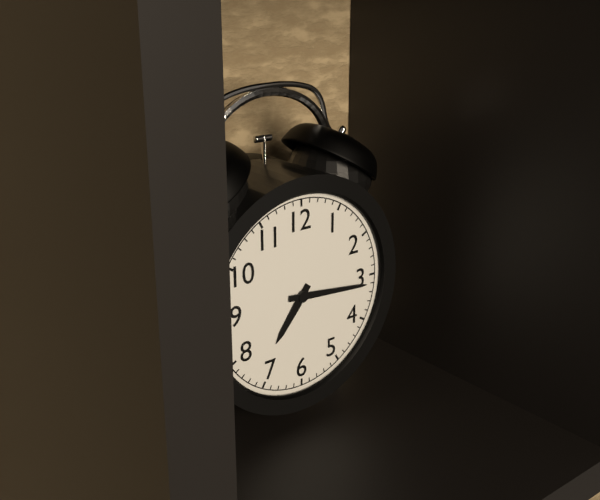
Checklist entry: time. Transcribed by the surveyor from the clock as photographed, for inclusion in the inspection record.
7:16
